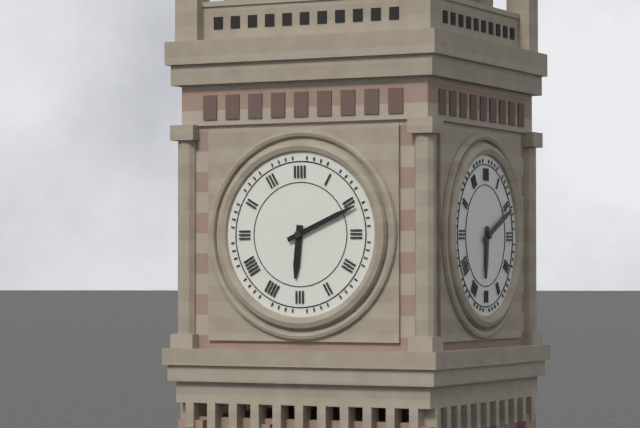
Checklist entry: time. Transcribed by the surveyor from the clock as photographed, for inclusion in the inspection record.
6:11
